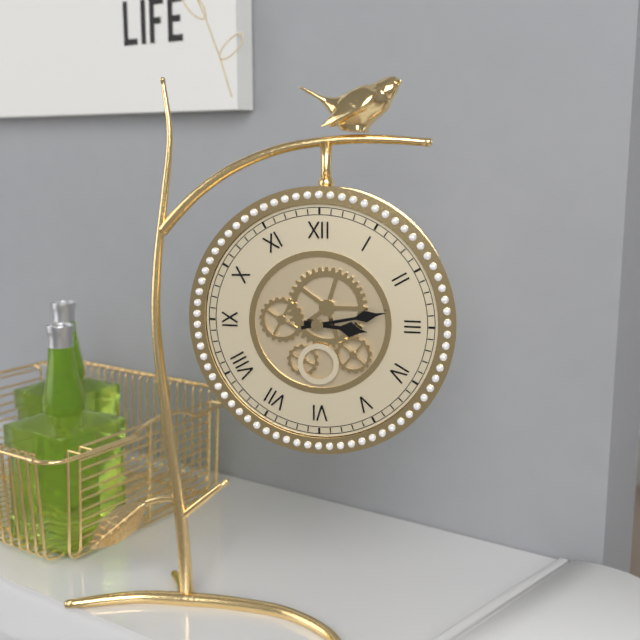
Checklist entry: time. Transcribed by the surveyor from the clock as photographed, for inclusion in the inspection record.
3:13
